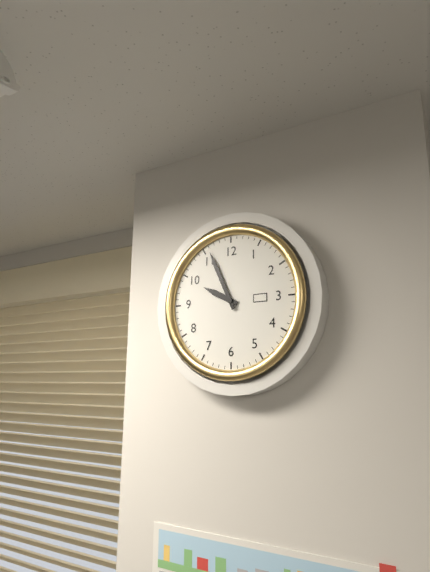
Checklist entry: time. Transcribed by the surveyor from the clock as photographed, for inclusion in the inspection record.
9:56
